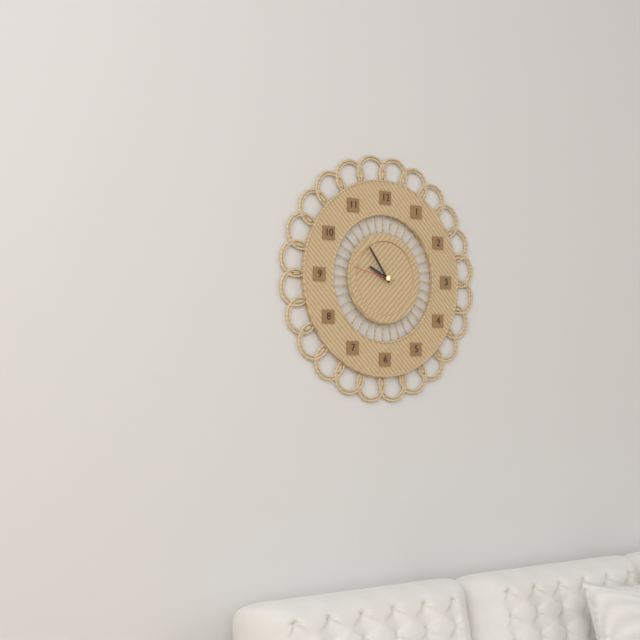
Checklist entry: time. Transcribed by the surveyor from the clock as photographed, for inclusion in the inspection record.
9:54
